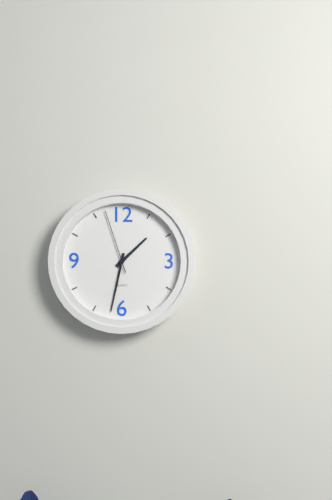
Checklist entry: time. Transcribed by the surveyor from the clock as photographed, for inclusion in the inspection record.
1:32:57
